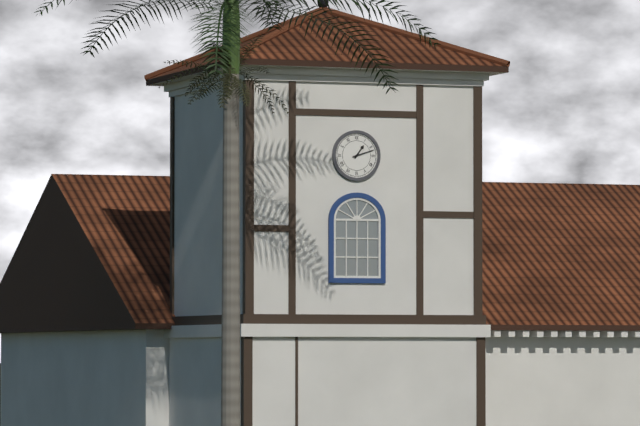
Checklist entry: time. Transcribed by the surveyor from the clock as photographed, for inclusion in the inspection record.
1:12
